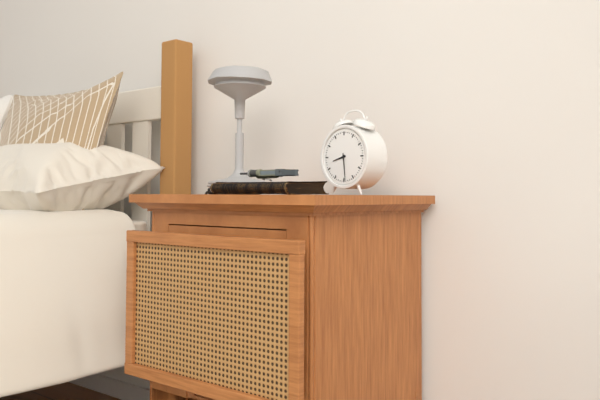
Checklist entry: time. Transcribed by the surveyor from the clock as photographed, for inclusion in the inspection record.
8:29
